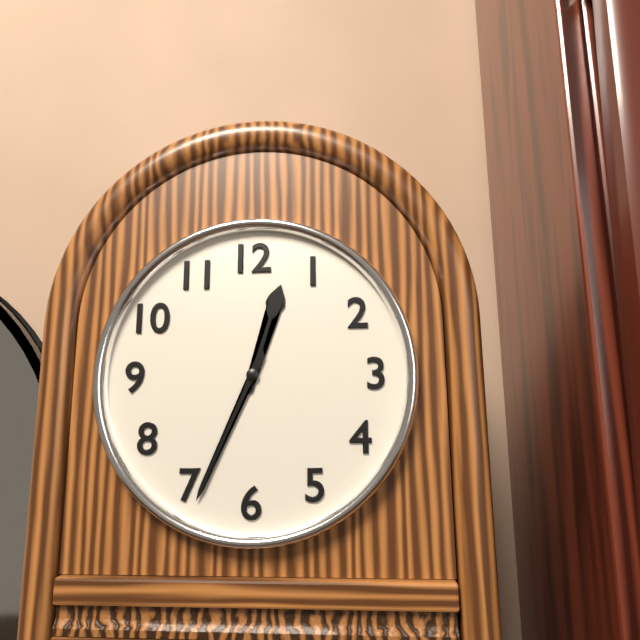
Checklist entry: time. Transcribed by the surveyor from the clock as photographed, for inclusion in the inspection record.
12:34
